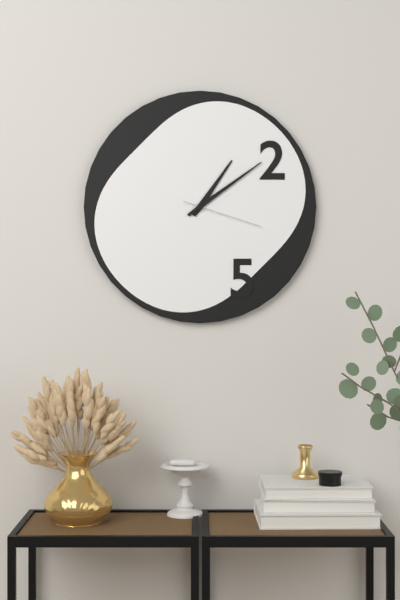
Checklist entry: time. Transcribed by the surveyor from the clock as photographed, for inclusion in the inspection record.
1:09:18
